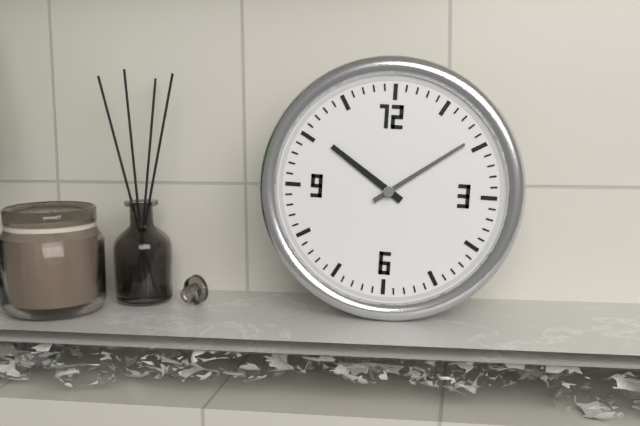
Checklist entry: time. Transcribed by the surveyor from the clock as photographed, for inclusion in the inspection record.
10:09
